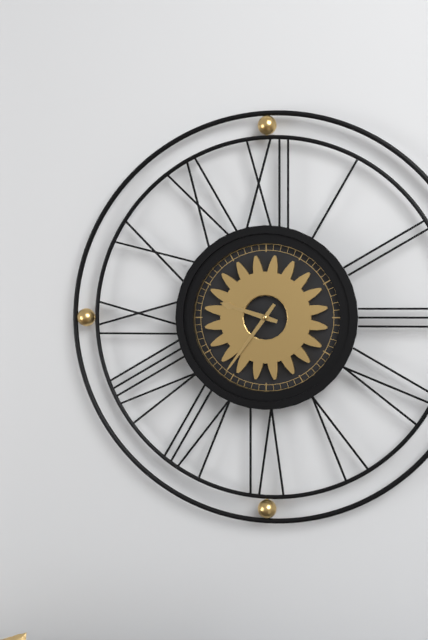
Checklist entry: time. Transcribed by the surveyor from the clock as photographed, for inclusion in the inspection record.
9:36
